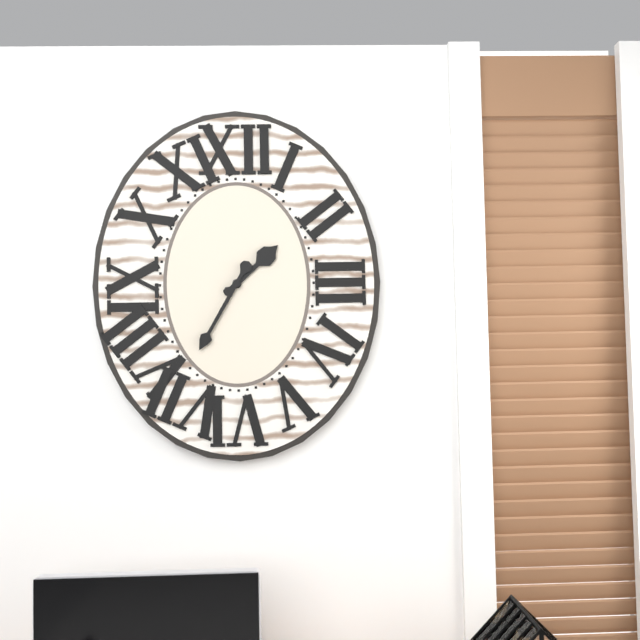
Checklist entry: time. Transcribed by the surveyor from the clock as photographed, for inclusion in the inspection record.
1:35
